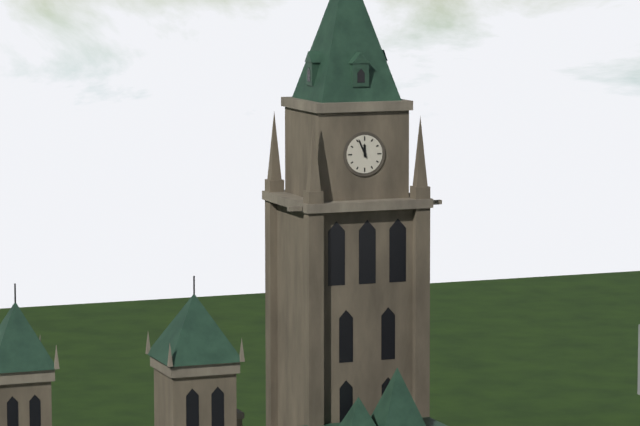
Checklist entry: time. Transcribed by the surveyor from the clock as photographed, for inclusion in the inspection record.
11:56
